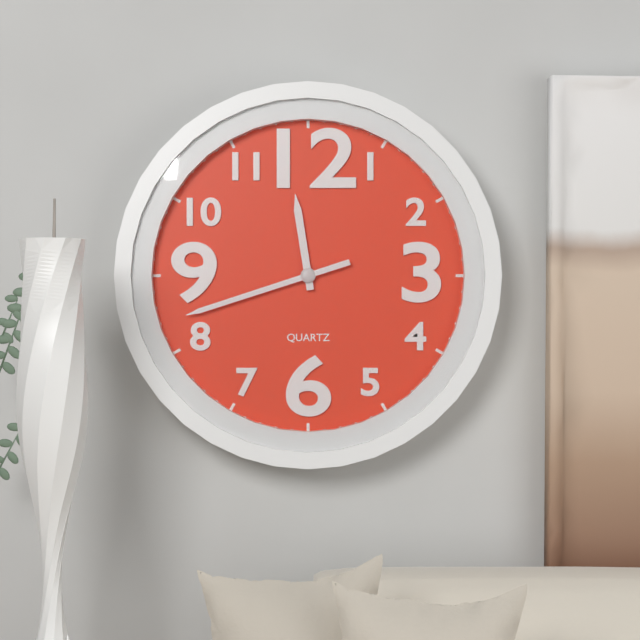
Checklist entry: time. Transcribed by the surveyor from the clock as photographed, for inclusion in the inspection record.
11:42
